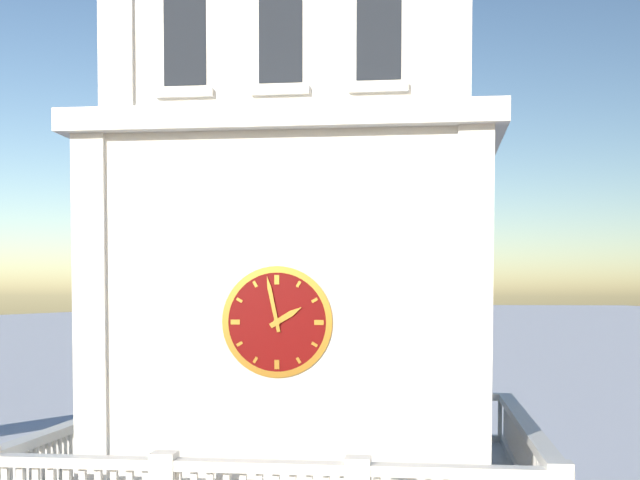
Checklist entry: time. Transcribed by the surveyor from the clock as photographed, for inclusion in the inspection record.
1:58
